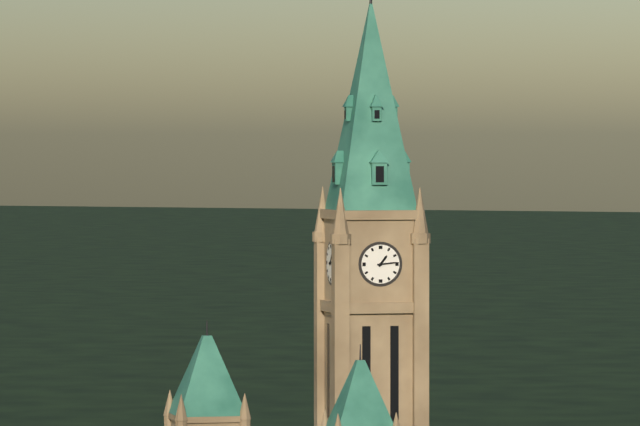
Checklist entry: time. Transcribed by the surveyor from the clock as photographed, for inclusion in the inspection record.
1:14
